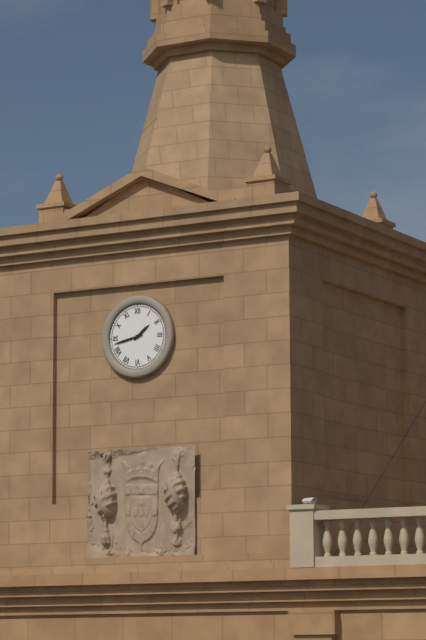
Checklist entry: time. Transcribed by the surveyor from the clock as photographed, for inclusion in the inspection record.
1:43
